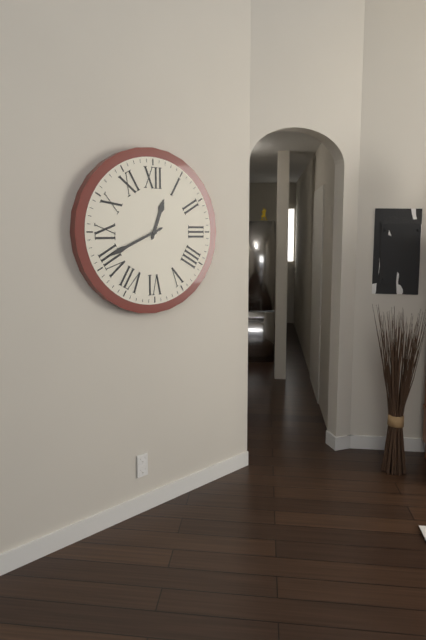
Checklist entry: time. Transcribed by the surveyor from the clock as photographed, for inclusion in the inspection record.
12:41
